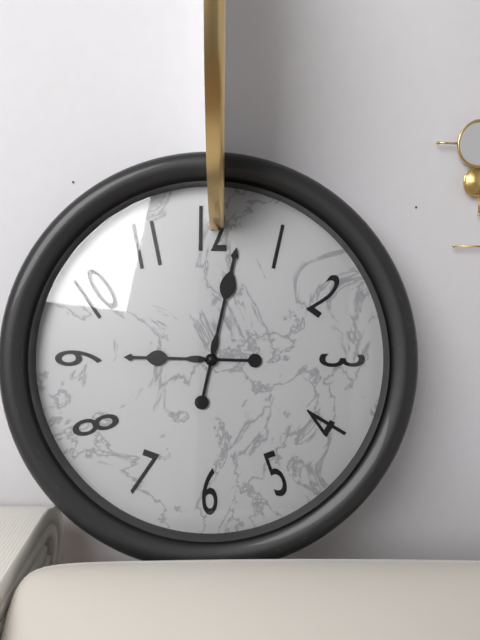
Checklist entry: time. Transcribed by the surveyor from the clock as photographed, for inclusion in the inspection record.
9:02
